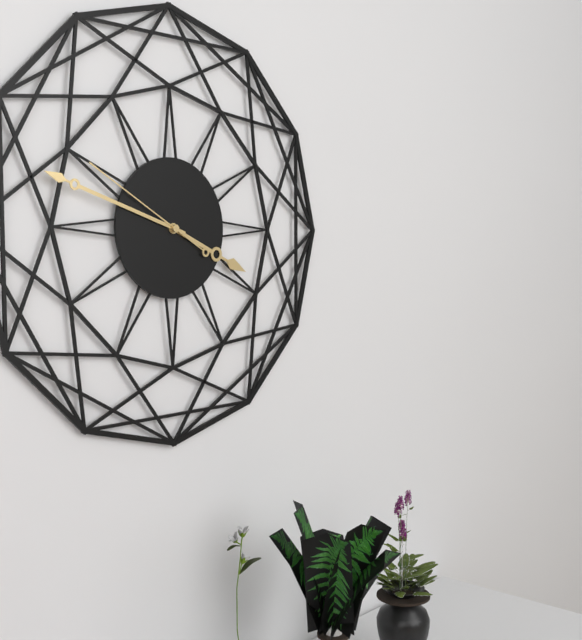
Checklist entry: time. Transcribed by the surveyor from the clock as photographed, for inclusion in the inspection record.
3:48:50
